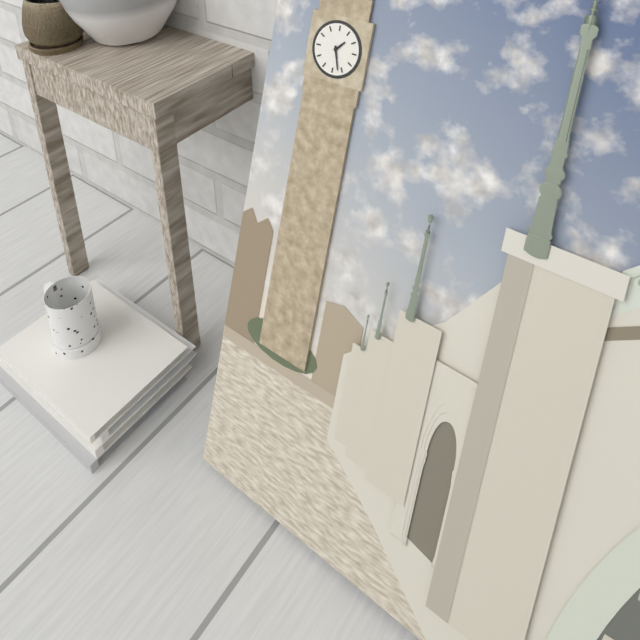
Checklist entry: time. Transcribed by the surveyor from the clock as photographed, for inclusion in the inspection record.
1:27
